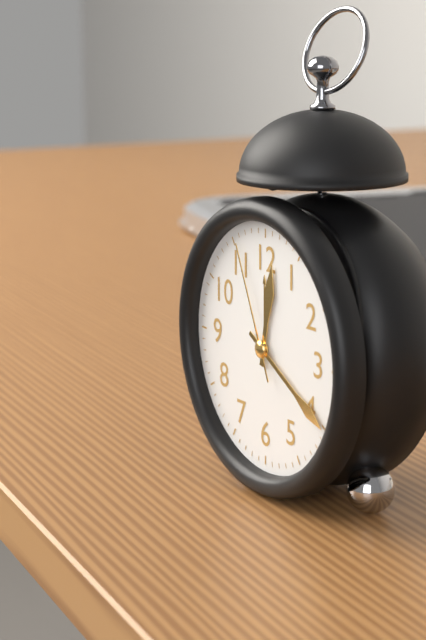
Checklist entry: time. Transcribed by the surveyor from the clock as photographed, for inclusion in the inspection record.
12:20:56
